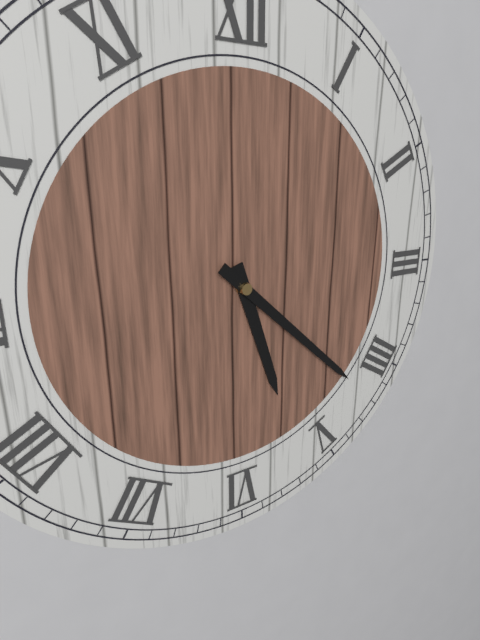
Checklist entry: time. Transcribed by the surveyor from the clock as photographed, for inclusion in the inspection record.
5:22
